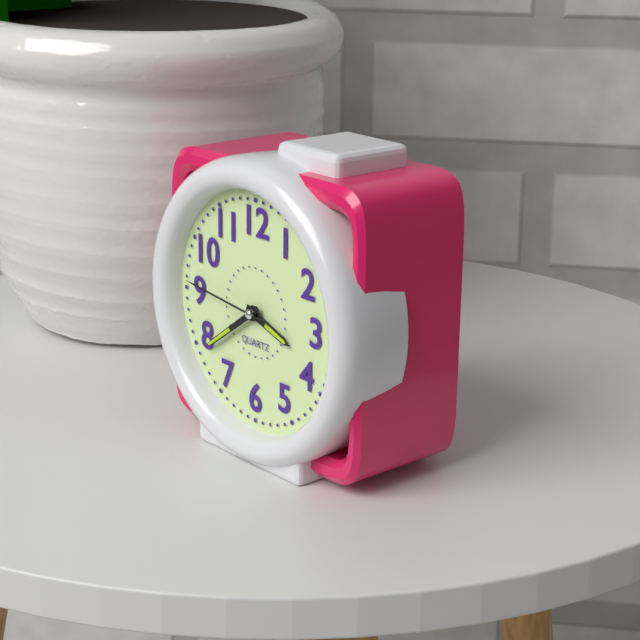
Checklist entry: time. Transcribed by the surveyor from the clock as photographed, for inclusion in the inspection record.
3:39:46
